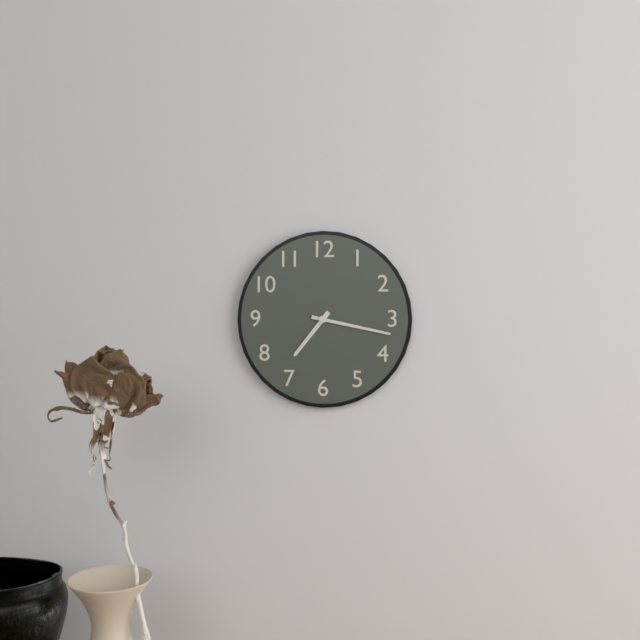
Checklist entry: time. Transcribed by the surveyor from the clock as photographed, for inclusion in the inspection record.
7:17
